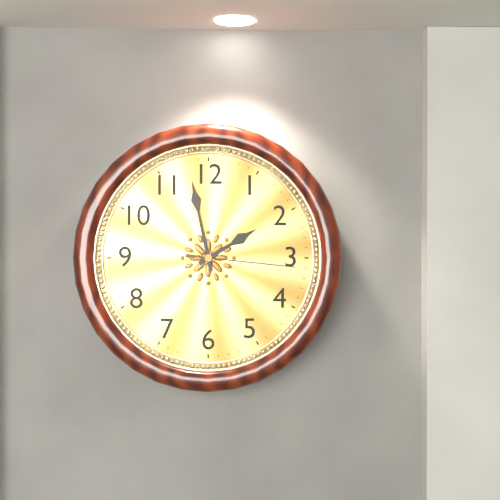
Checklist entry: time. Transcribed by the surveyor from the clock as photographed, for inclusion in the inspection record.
1:58:16
